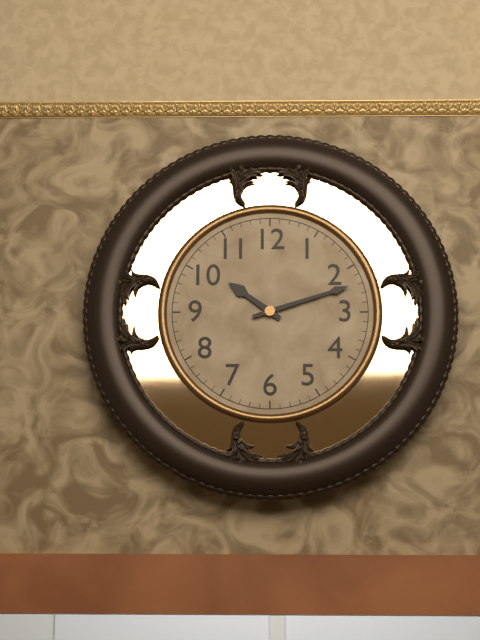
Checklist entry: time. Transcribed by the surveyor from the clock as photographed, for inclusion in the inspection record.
10:12
